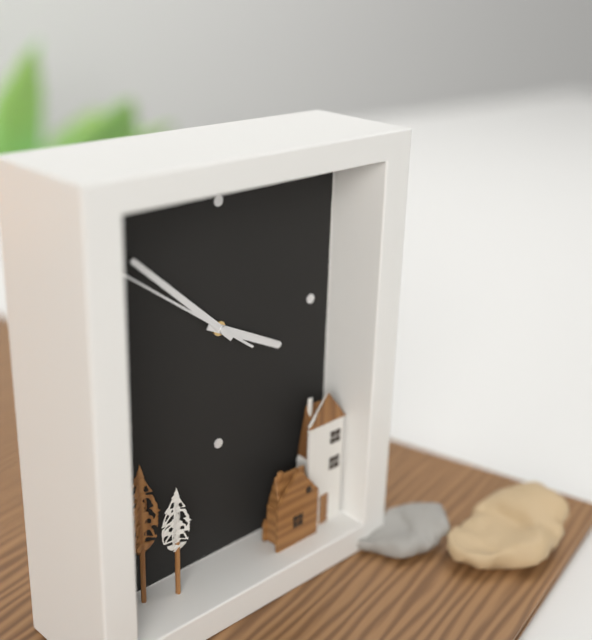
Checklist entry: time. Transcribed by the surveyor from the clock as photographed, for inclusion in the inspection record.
3:52:51
